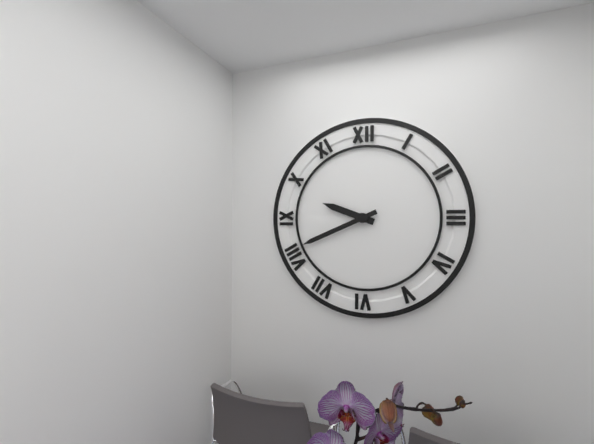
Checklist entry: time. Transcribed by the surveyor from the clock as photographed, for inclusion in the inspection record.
9:41
